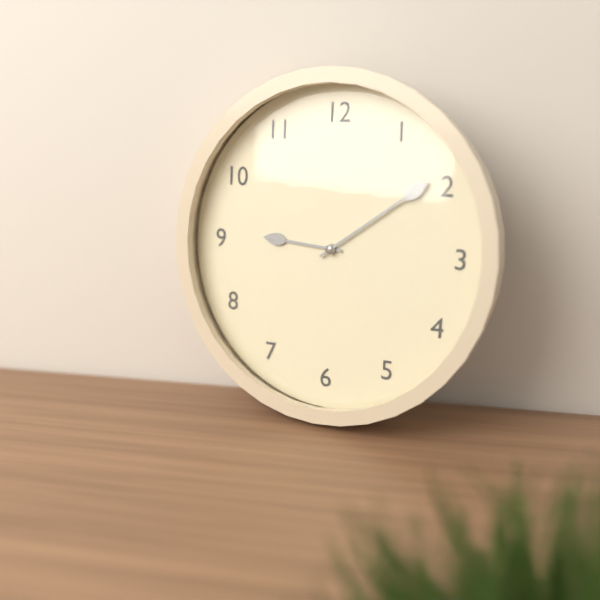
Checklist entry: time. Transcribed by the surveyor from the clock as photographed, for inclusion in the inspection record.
9:09
